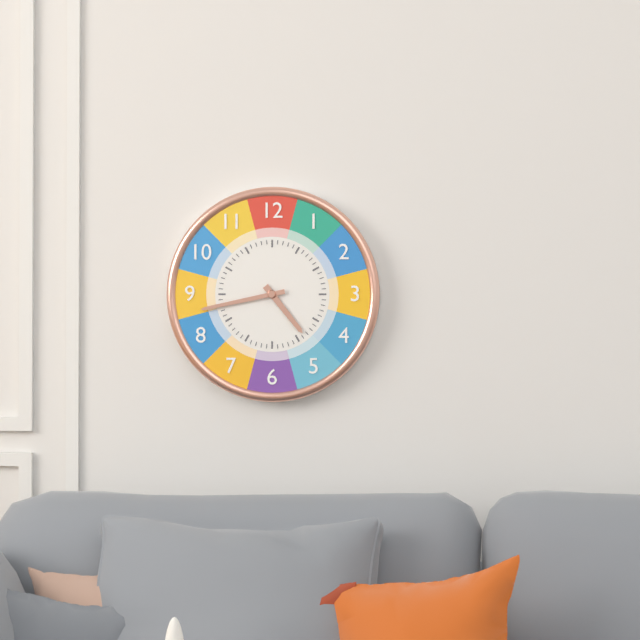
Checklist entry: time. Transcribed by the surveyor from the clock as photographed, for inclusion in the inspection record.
4:43
